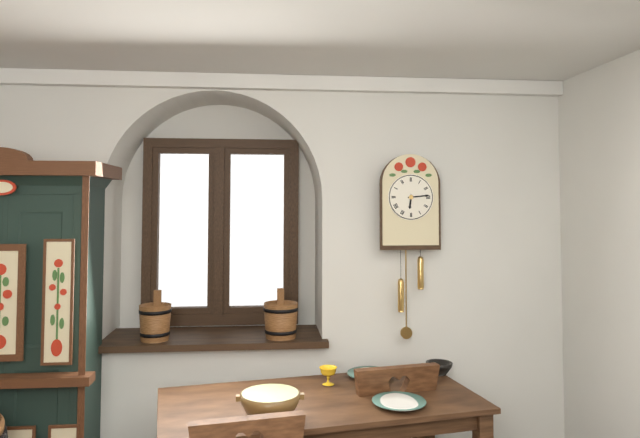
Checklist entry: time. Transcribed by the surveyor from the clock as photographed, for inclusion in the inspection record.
6:14
